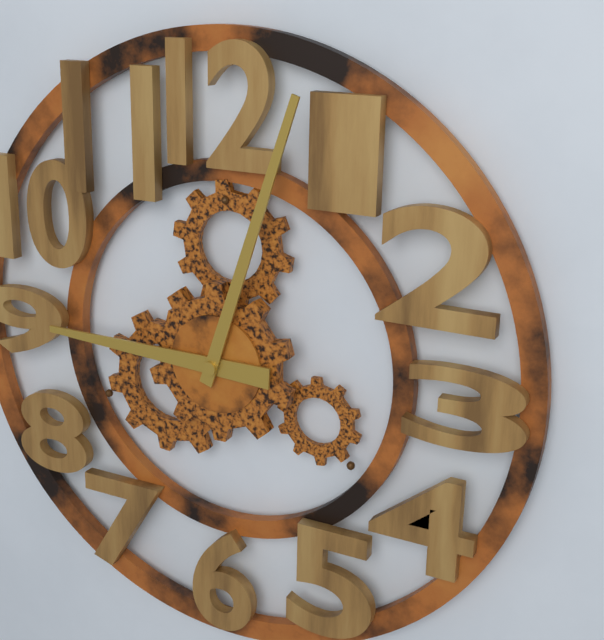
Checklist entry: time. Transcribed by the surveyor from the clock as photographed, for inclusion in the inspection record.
9:03
